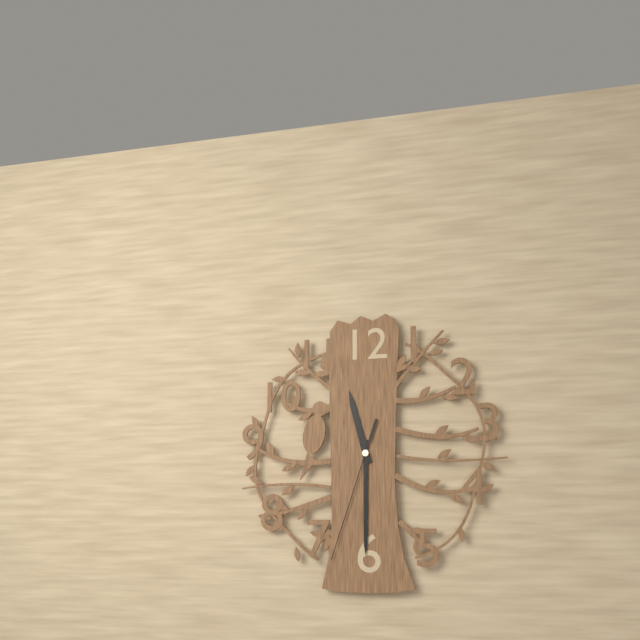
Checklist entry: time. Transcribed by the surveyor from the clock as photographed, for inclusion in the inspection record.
11:30:33
